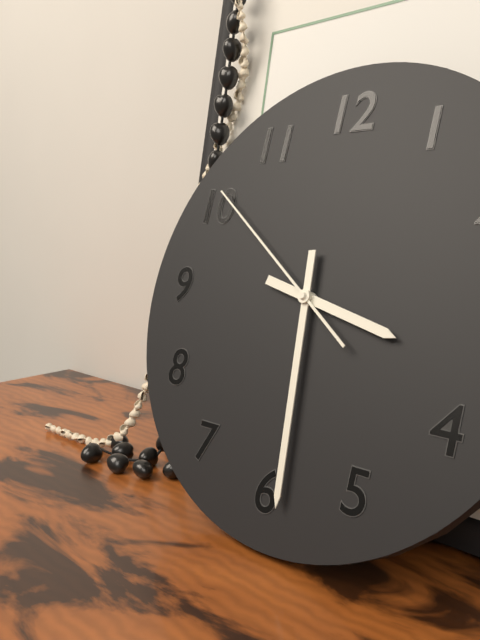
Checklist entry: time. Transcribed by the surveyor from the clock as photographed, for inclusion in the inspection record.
3:29:51
